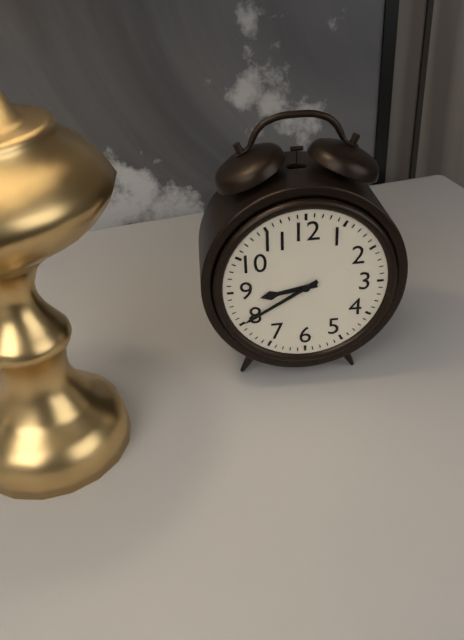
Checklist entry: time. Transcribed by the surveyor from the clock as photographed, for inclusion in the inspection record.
8:40
